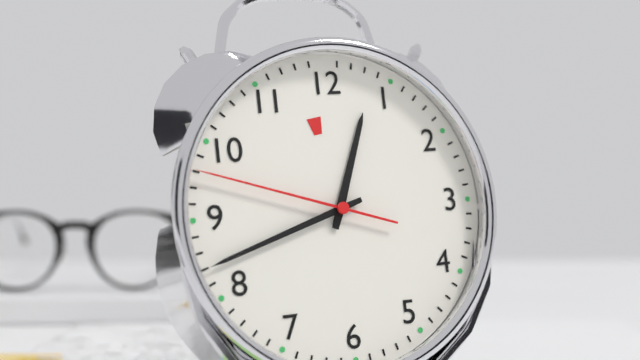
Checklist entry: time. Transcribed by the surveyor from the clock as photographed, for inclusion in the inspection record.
12:42:48
